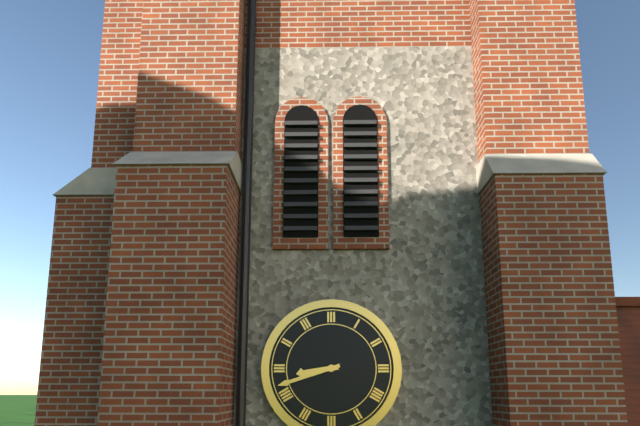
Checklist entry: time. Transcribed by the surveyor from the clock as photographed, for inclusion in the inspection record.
8:42
